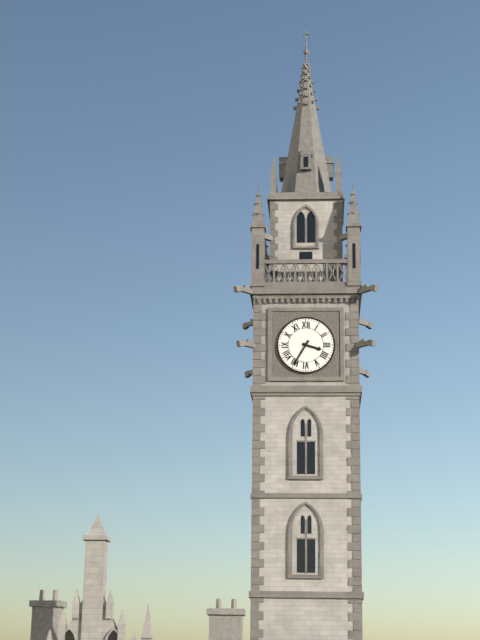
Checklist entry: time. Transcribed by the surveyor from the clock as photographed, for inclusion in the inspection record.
3:35
